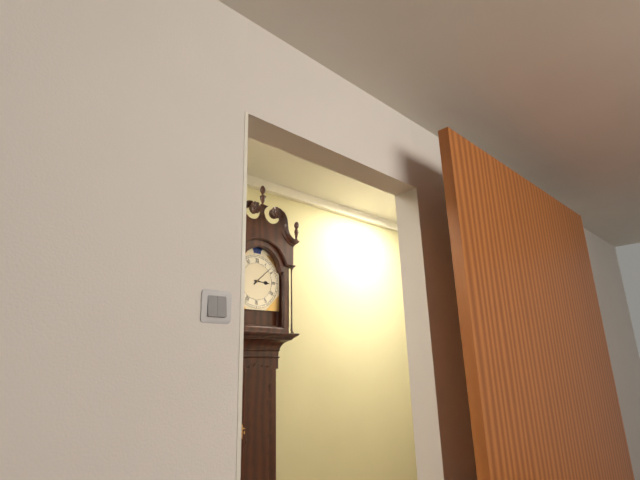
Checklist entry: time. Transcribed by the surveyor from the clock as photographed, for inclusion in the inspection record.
3:08
